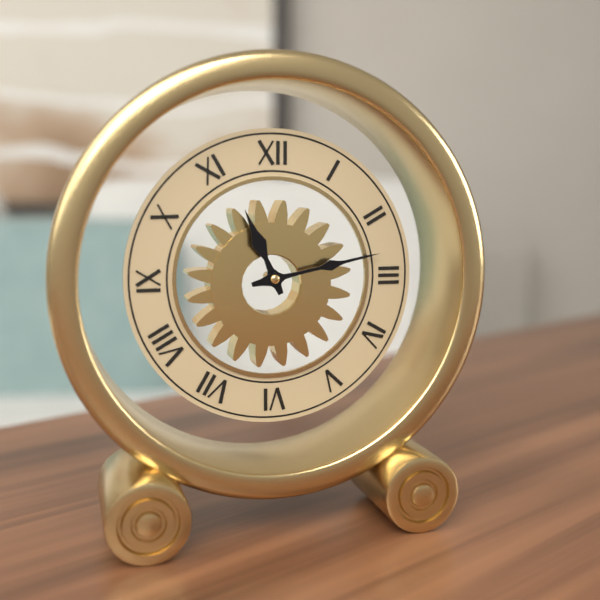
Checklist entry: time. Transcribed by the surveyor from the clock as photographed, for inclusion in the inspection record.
11:13
